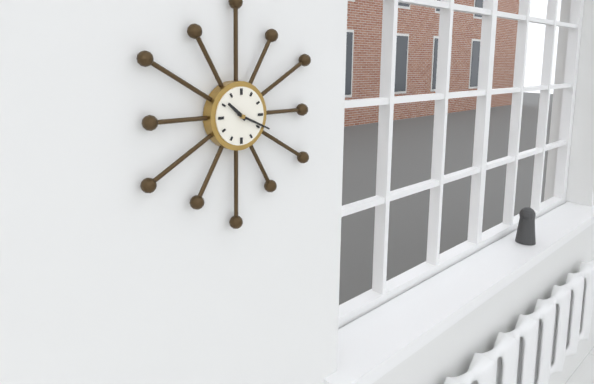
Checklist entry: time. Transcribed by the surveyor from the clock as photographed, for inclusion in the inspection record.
10:19
